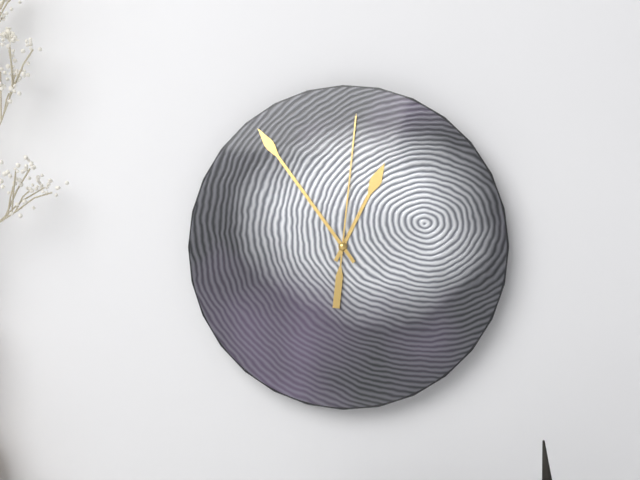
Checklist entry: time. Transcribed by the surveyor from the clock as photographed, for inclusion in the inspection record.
12:54:01
